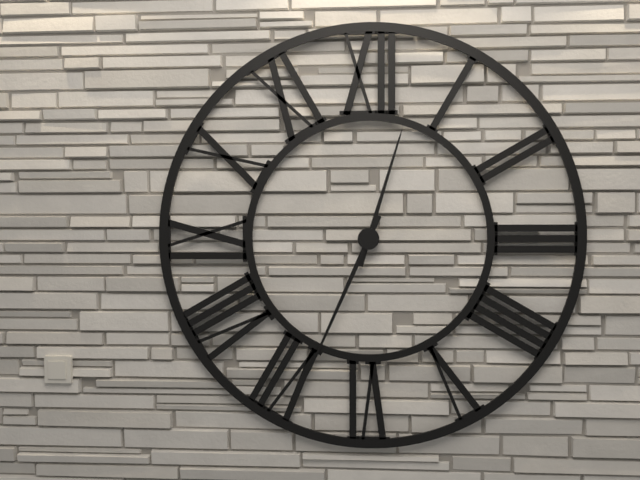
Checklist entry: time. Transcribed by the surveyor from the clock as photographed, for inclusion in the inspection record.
12:34
